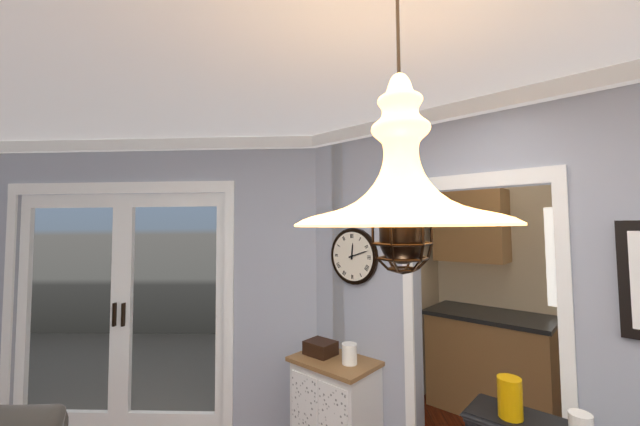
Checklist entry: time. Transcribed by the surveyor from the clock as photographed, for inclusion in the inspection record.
12:12
